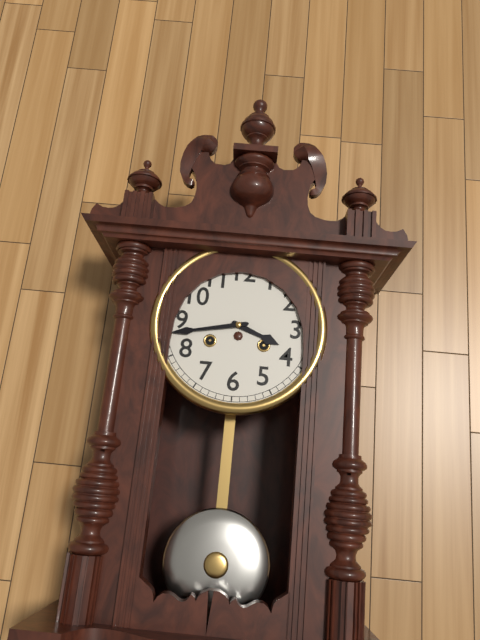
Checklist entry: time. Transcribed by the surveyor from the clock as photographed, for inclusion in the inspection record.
3:43
